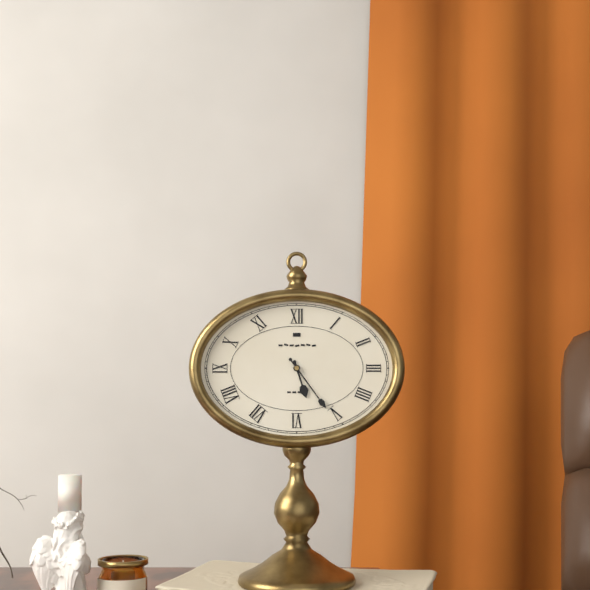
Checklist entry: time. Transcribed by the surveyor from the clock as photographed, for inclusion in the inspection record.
5:24
